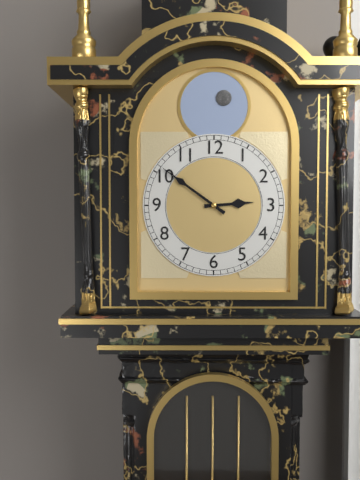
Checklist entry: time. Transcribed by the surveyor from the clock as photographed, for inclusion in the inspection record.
2:51
